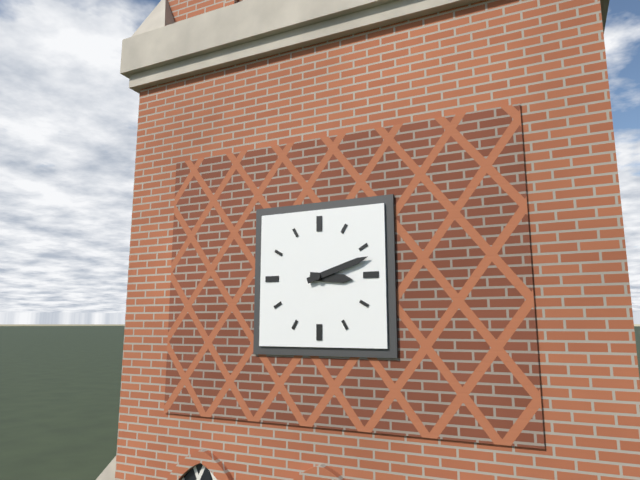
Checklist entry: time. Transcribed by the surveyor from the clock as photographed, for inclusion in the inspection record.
3:12
